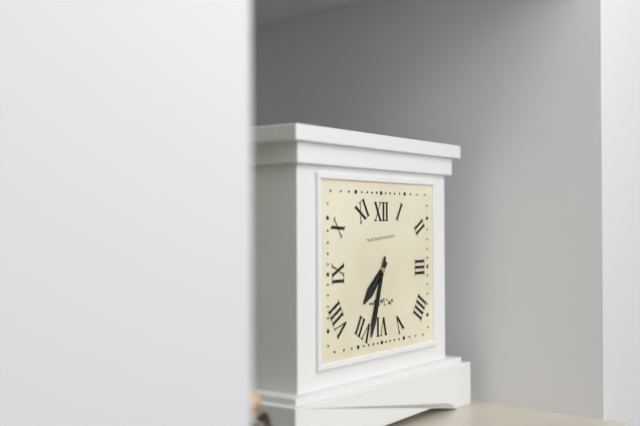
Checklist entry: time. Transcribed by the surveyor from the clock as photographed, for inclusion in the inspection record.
7:33
